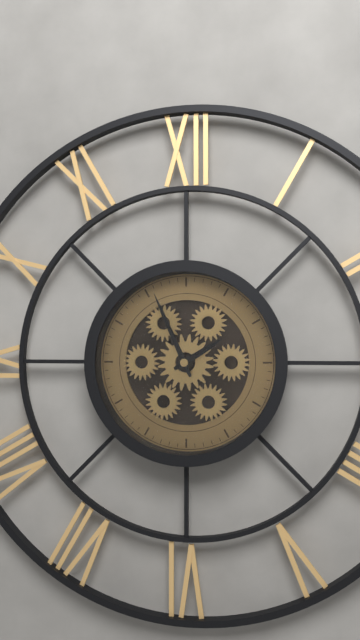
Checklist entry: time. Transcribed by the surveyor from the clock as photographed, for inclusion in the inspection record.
1:56
